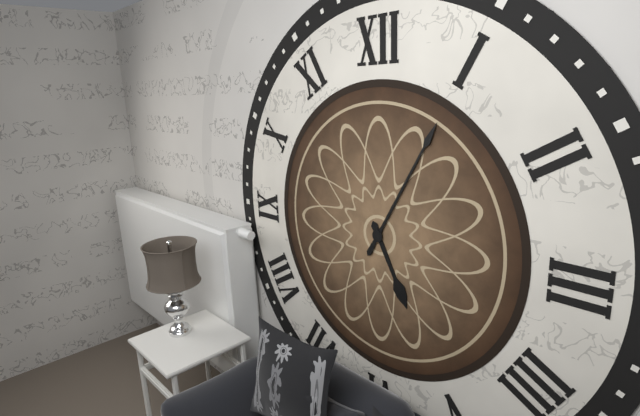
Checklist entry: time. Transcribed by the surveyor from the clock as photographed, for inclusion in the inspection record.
5:05
